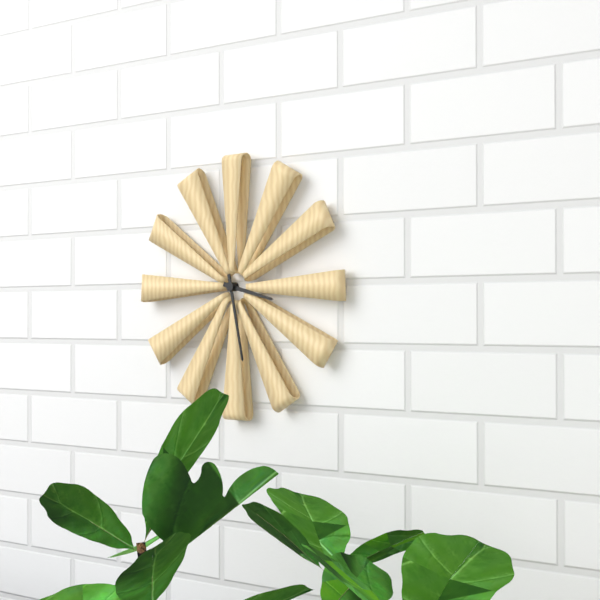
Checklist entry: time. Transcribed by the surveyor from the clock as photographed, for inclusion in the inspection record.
3:28
